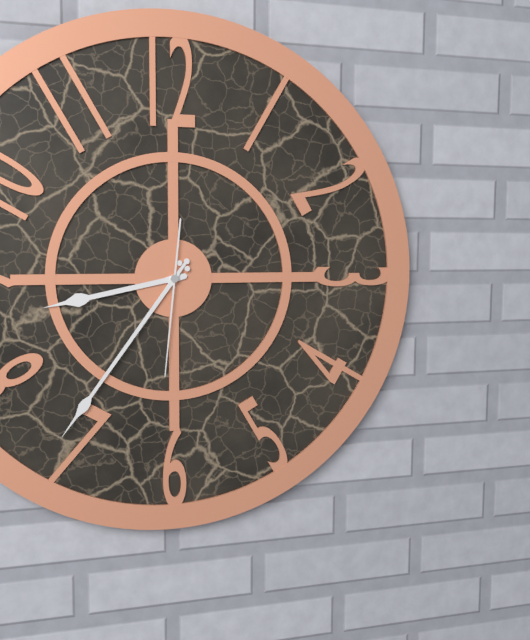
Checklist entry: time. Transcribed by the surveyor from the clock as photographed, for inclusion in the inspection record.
8:36:31
